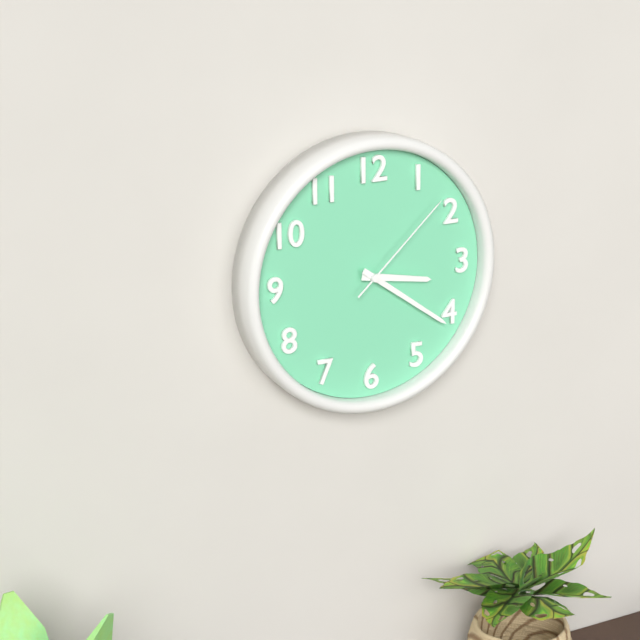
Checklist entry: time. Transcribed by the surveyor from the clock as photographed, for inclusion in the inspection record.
3:21:08
